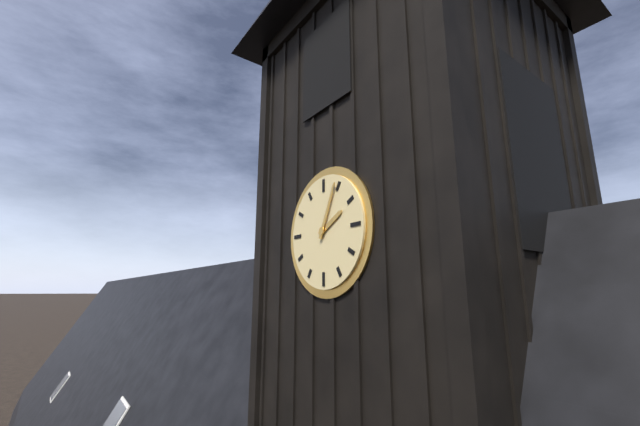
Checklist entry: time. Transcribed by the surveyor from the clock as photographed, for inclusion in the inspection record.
2:04
